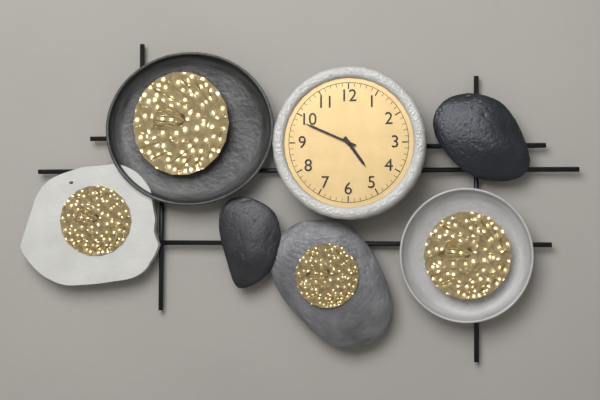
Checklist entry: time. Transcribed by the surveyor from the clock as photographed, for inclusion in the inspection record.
4:49
